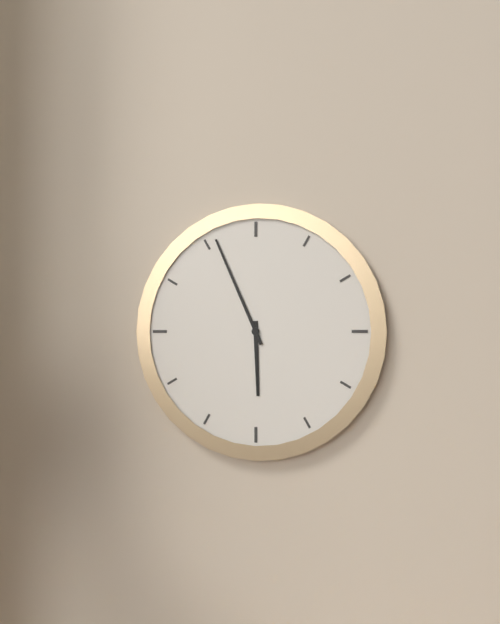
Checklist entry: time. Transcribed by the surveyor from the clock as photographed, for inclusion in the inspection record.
5:56
